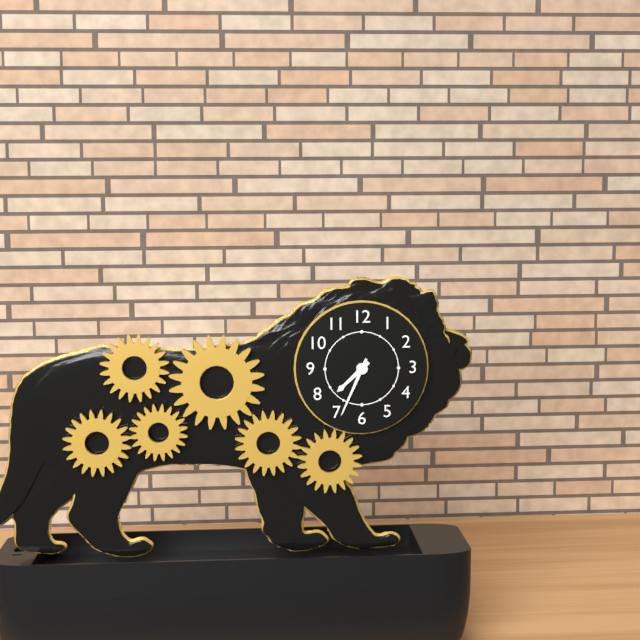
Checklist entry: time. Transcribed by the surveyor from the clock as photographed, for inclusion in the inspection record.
7:34
